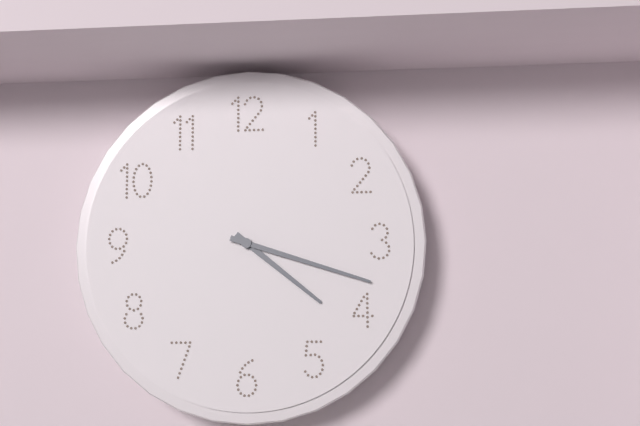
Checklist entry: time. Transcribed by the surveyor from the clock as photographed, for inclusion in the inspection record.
4:18
